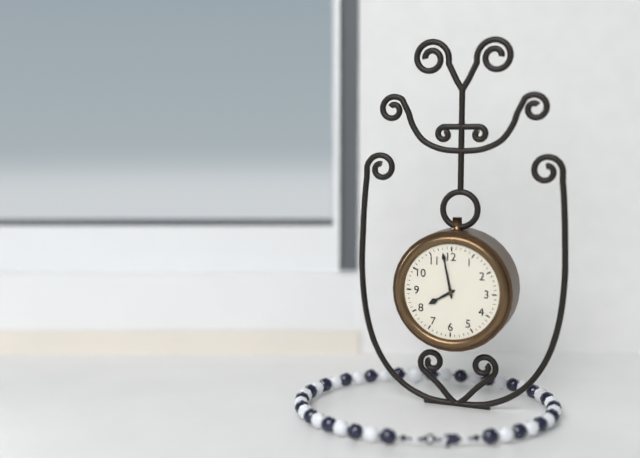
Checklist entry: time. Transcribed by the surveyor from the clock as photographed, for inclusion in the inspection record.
7:58
